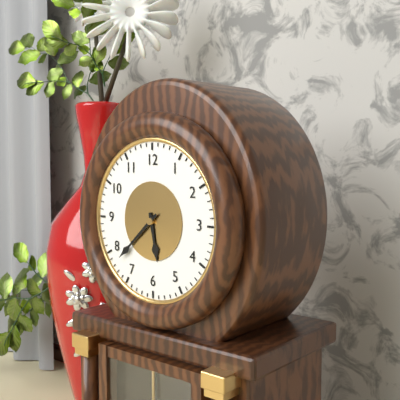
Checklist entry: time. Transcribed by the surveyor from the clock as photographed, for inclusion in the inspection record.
5:38
